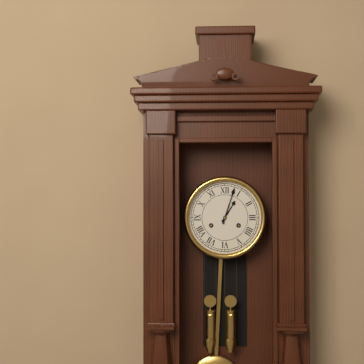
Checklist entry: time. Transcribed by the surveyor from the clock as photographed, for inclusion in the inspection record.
1:03
